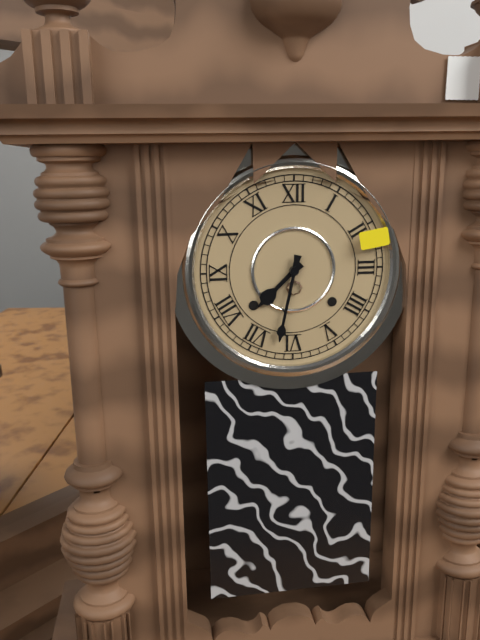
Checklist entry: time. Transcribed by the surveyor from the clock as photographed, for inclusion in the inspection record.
7:32
